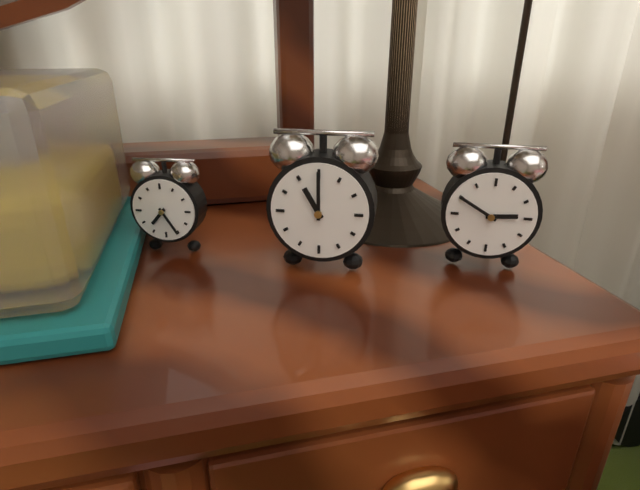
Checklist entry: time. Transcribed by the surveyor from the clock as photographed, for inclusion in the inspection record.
11:00
